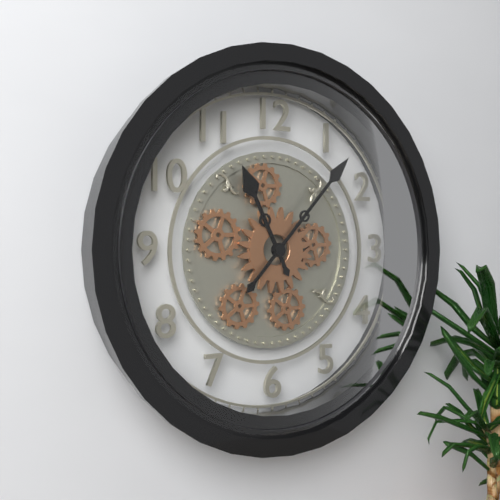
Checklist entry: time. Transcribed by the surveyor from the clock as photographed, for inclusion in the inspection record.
11:07
